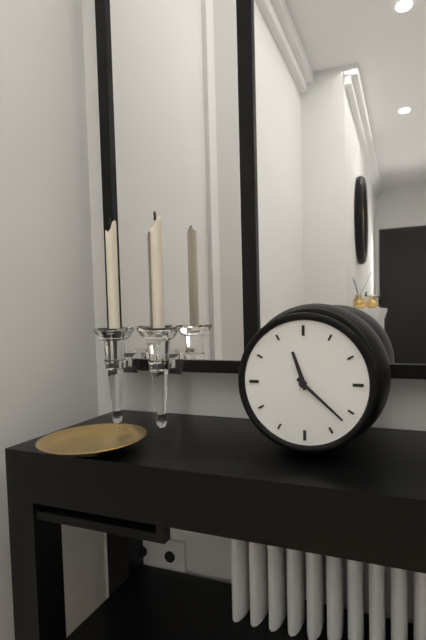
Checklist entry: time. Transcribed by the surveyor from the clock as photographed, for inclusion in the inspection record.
11:22
